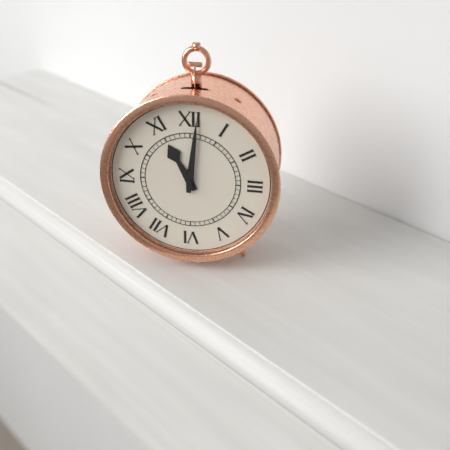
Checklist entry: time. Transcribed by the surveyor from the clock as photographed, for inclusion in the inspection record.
11:01
